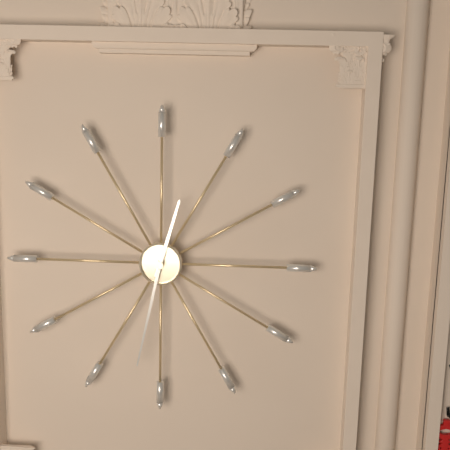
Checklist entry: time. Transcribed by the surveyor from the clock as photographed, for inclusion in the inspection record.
12:32
